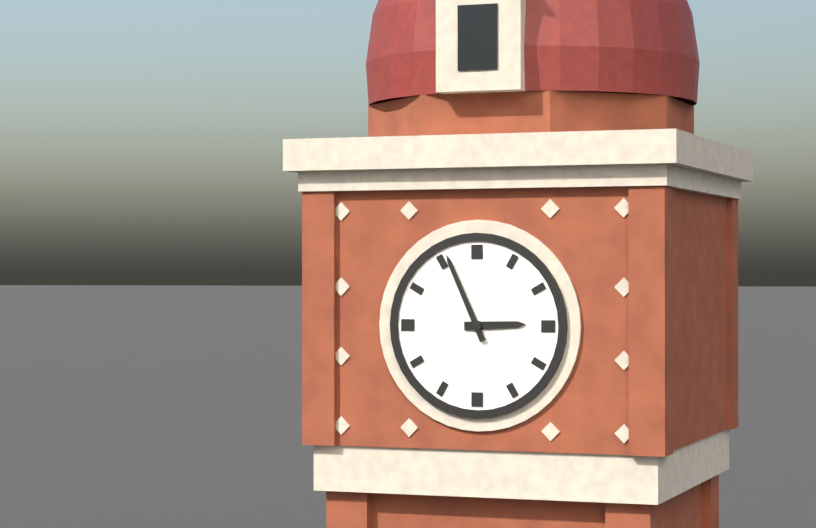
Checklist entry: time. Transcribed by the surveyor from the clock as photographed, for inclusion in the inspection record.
2:56
